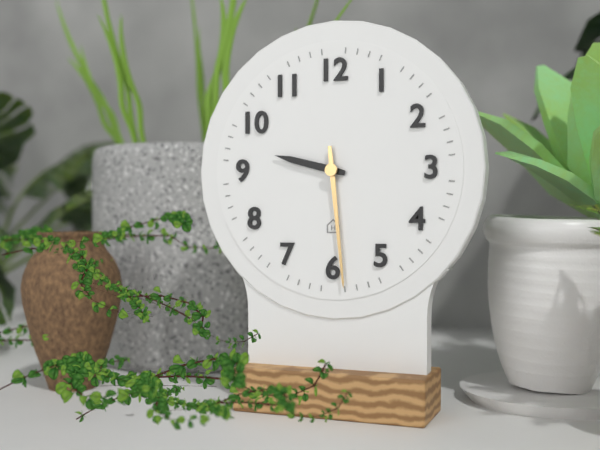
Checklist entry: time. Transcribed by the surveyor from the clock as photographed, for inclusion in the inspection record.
9:29
